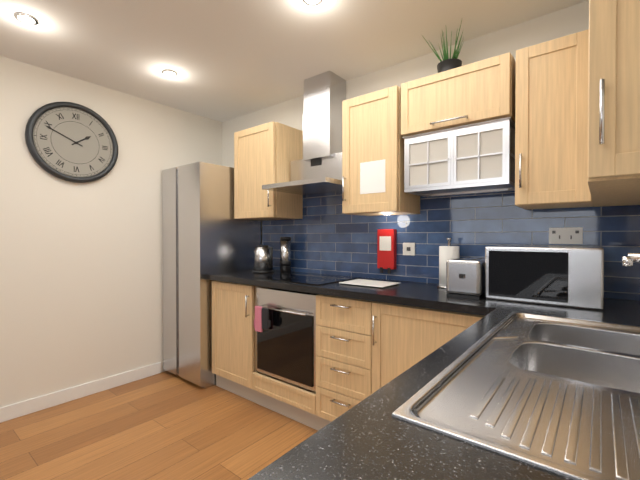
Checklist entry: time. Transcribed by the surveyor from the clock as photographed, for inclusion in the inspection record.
1:49
